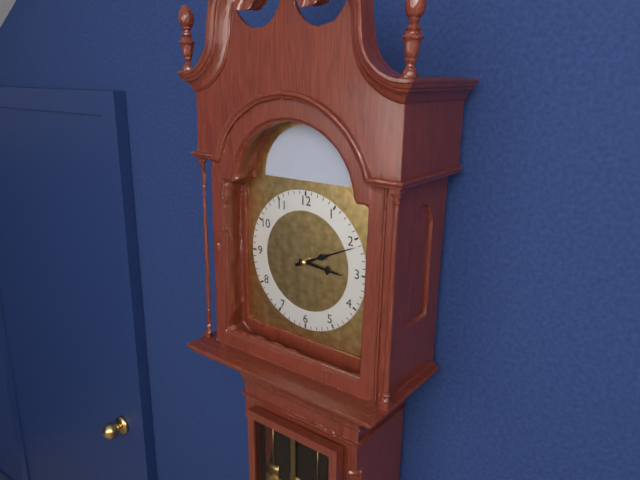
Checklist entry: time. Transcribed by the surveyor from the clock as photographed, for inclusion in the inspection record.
3:11
